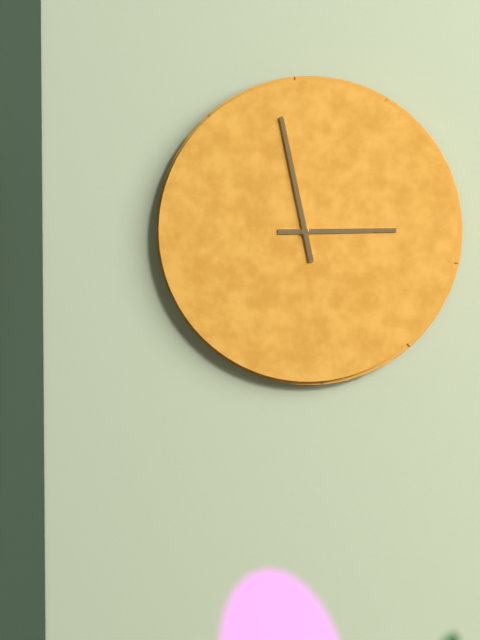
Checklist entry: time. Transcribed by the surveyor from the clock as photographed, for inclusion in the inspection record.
2:58
